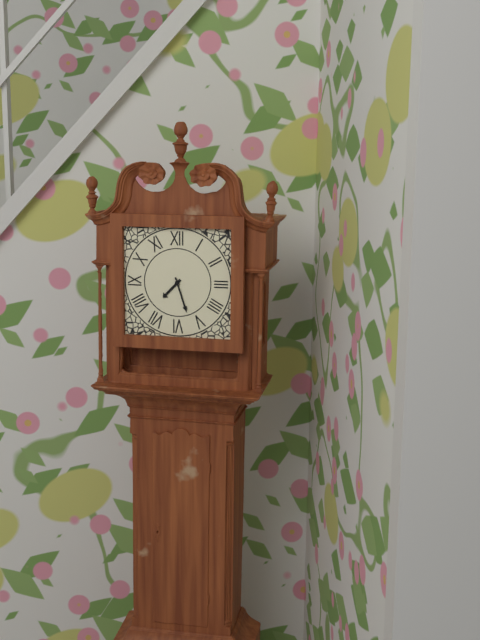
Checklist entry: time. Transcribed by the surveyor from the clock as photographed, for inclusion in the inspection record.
7:27
